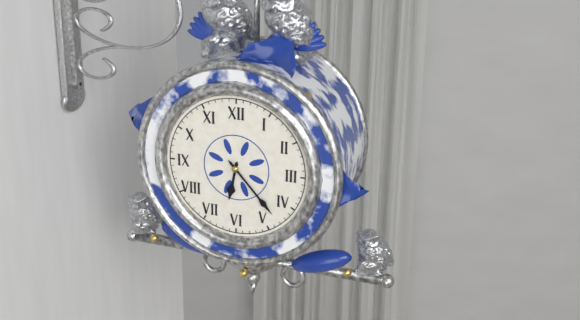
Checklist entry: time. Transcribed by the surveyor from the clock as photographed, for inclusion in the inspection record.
6:23
